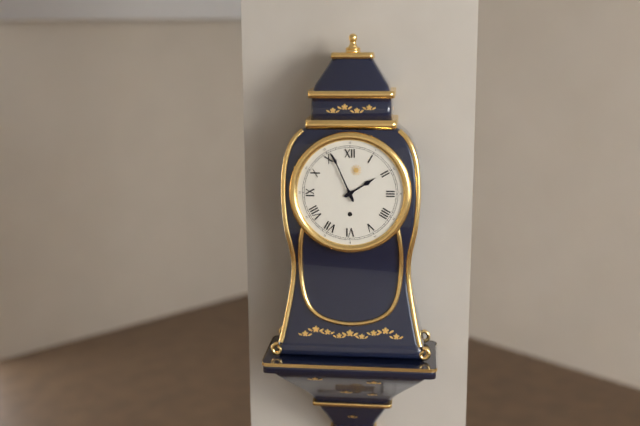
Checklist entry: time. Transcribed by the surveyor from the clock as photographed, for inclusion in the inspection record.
1:56
